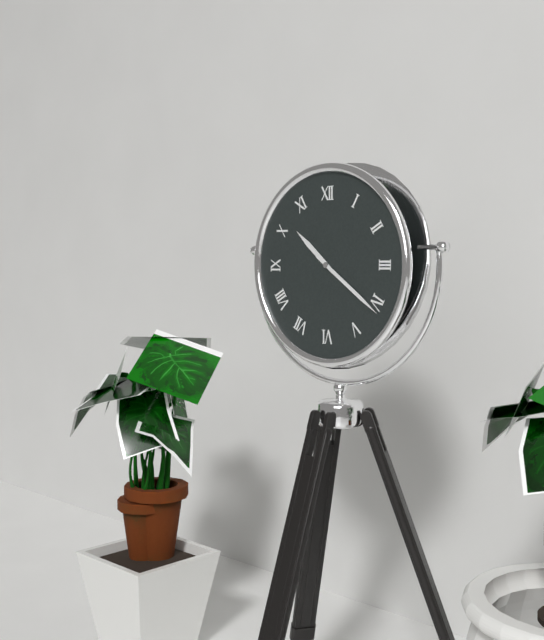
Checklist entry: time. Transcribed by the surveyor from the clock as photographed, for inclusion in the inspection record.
10:21
